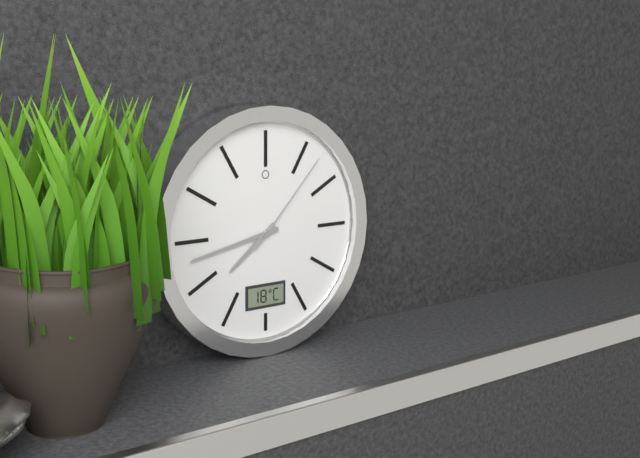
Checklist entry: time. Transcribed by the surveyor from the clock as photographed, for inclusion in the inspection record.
7:43:07
